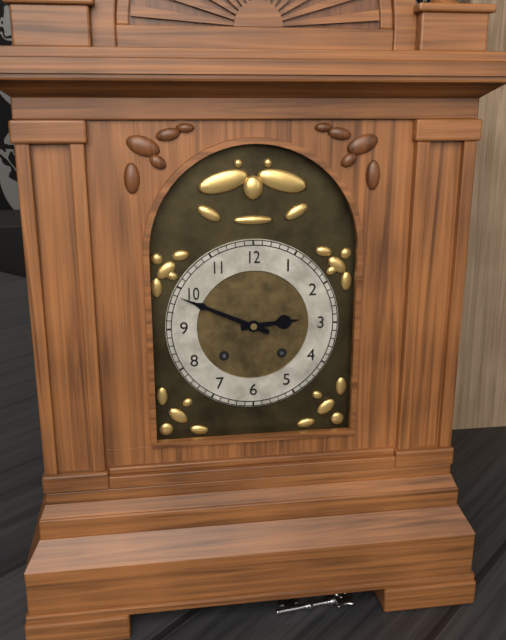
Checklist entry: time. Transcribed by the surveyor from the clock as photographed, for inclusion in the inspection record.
2:49
